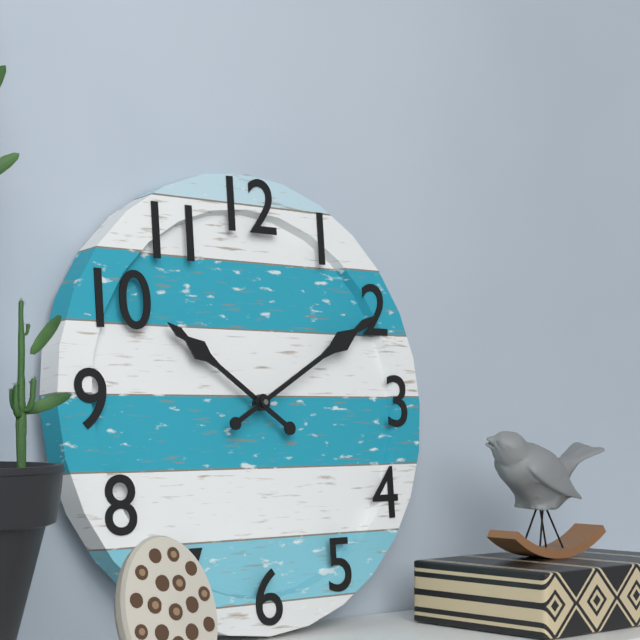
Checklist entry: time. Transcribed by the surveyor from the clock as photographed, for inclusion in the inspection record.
10:10
